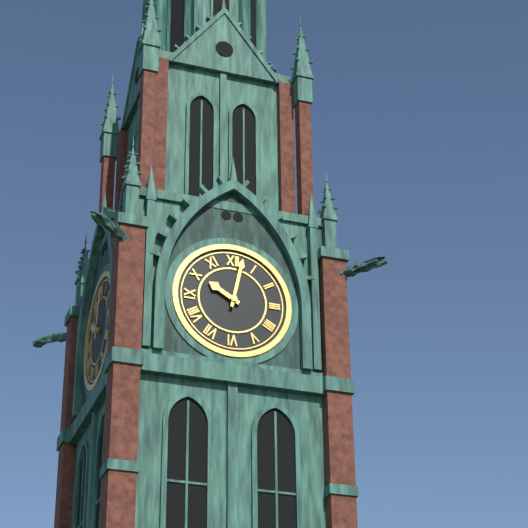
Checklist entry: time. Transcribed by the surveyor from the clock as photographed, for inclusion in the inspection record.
10:02
